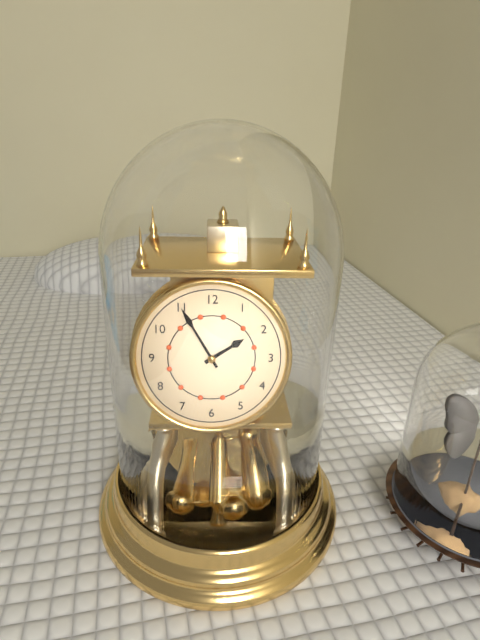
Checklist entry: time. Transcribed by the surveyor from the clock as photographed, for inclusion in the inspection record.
1:55
